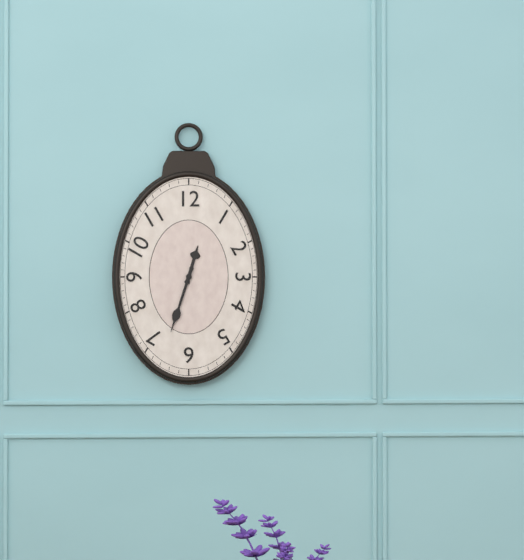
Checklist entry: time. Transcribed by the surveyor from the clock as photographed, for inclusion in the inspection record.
12:33
